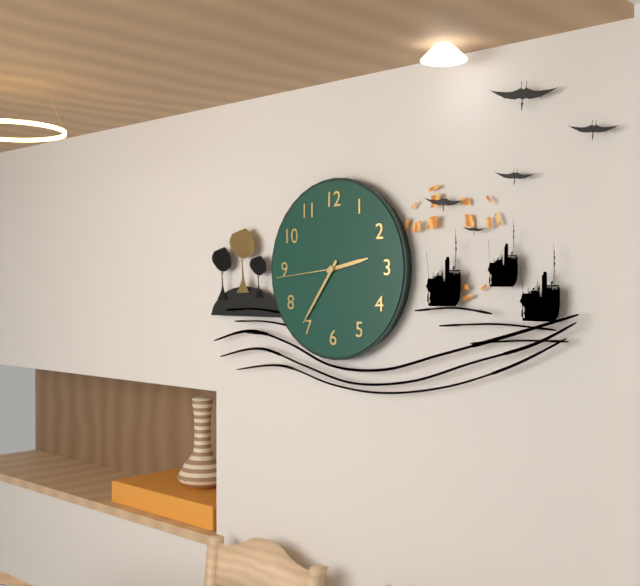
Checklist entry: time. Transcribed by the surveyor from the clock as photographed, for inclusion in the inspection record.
2:36:44
